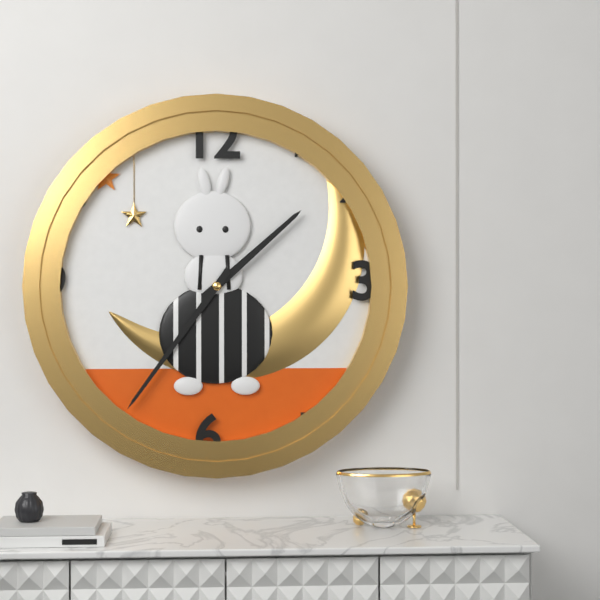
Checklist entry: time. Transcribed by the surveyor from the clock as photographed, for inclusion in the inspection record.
1:36
